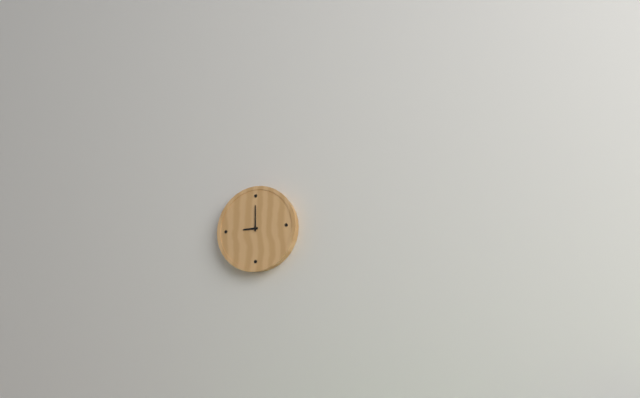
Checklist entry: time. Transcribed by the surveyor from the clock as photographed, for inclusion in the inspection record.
9:00
